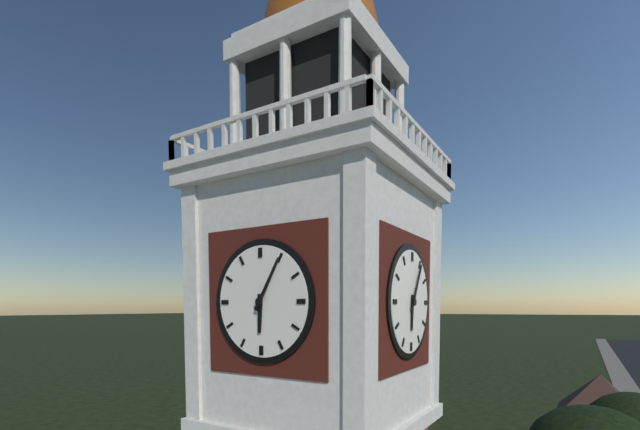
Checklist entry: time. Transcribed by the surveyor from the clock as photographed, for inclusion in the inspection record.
6:05
